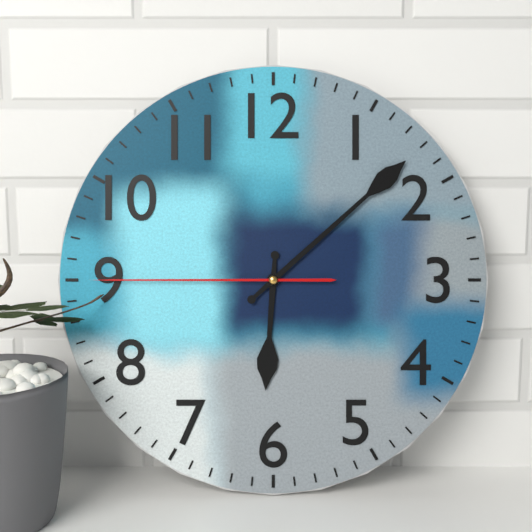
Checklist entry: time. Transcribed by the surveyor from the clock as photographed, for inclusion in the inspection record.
6:08:45
